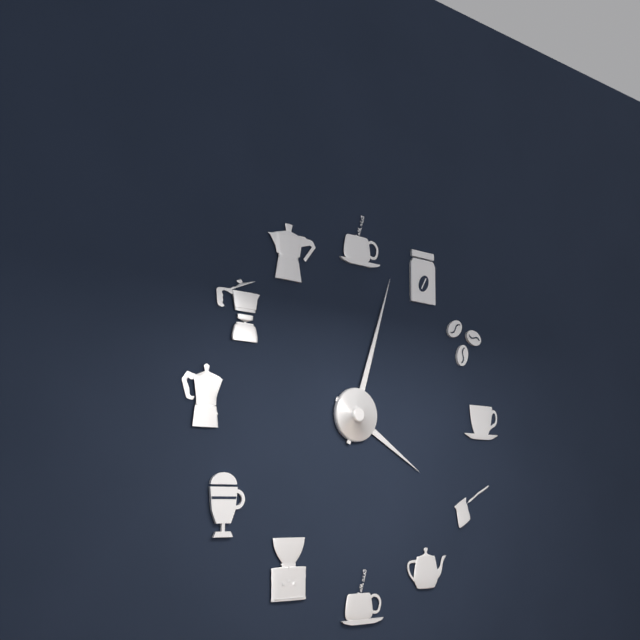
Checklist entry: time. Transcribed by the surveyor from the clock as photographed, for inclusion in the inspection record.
4:03
